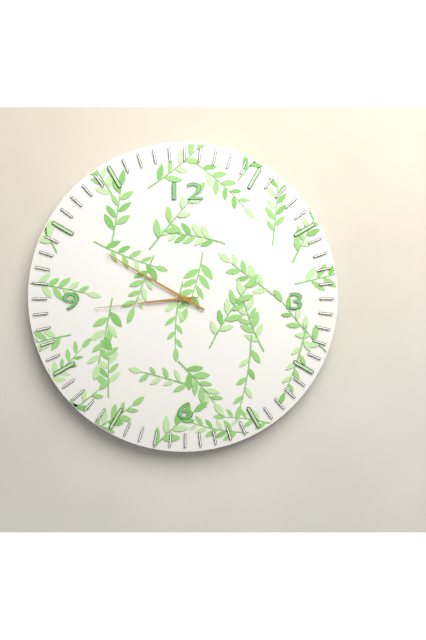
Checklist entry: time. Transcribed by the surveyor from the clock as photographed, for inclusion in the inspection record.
8:50:44
